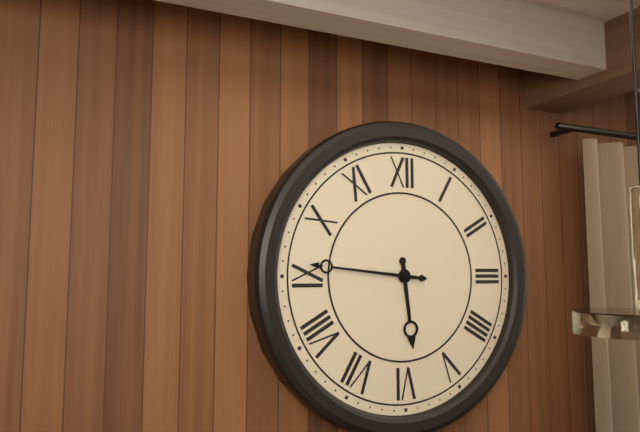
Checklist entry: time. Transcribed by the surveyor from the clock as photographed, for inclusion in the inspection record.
5:46
